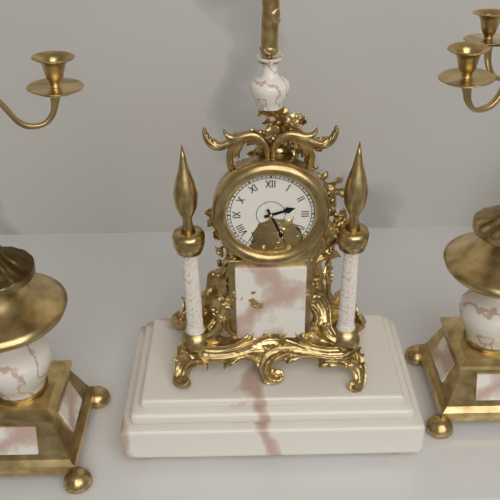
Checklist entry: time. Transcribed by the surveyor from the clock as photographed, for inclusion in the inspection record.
2:26
